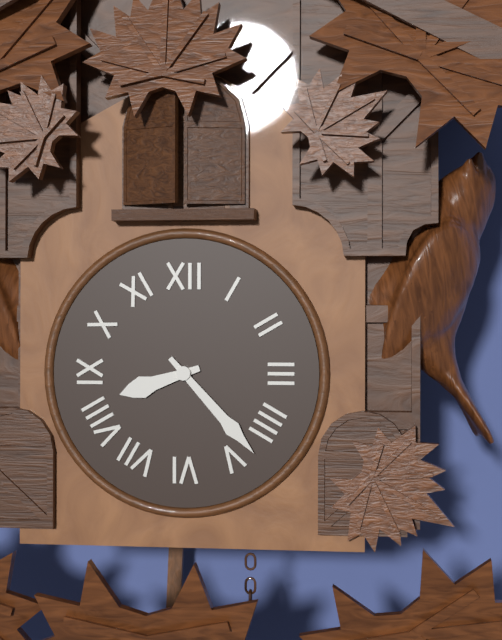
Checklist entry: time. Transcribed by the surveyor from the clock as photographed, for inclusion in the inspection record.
8:23
